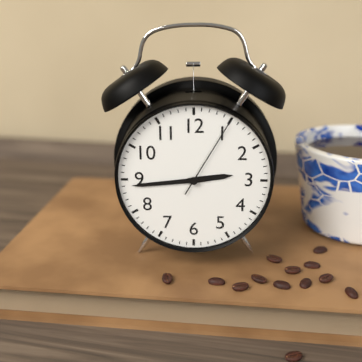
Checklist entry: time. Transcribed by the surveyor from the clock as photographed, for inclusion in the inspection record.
2:44:05
